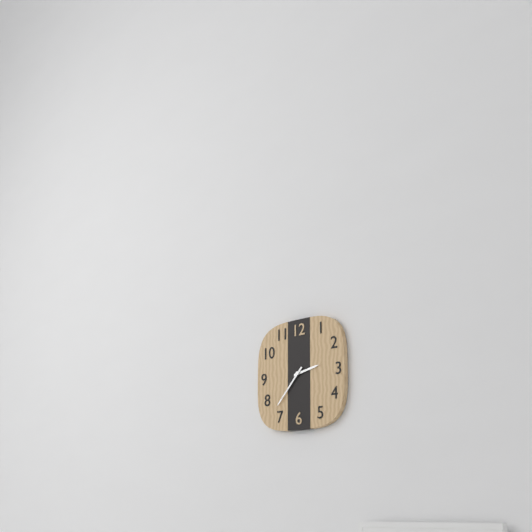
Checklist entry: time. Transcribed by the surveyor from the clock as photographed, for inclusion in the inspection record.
2:37
